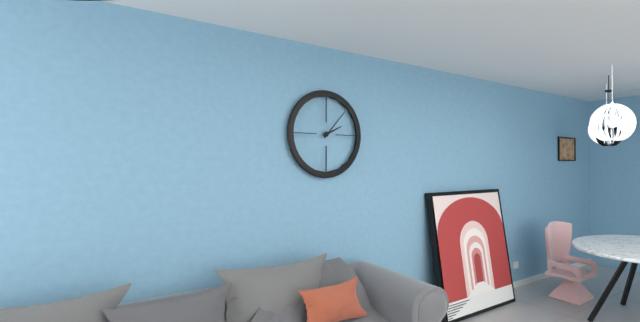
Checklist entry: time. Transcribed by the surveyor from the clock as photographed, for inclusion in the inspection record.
2:07
